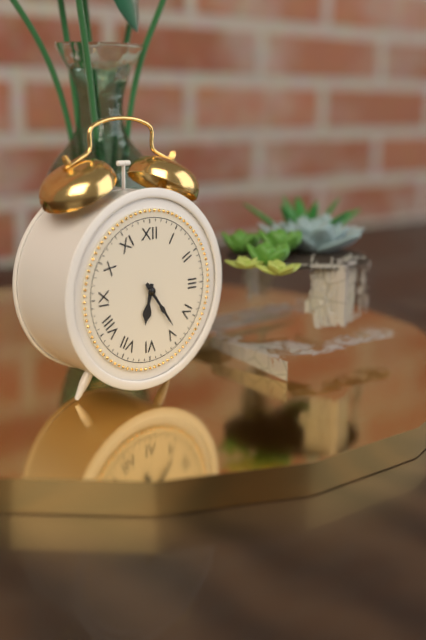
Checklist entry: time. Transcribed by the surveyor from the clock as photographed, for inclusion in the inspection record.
6:24
